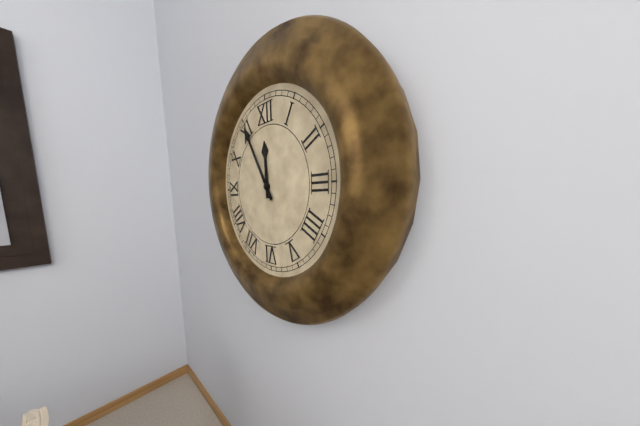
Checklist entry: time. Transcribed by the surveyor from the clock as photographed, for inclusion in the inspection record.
11:55
